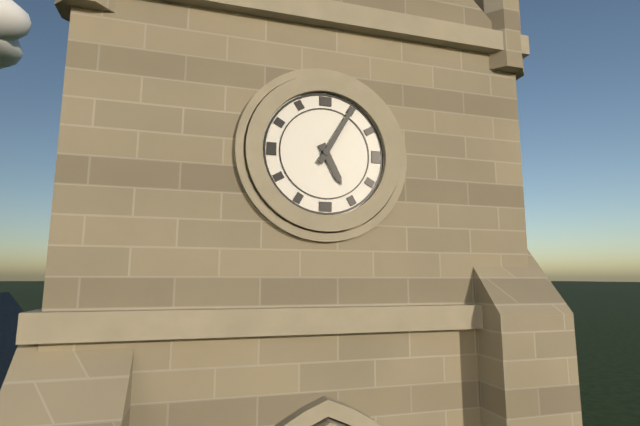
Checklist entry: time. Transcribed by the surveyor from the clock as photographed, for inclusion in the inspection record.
5:05
